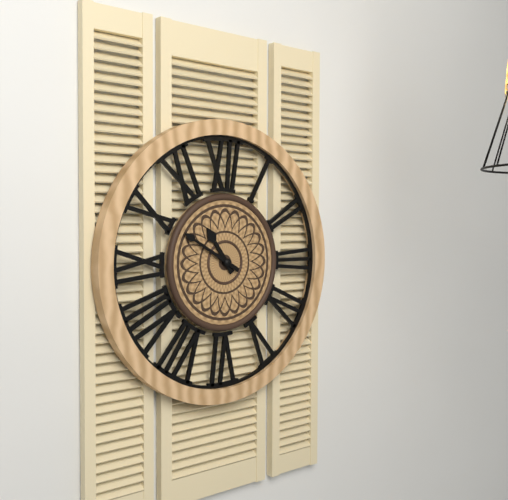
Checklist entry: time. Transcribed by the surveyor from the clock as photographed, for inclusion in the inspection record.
10:50
